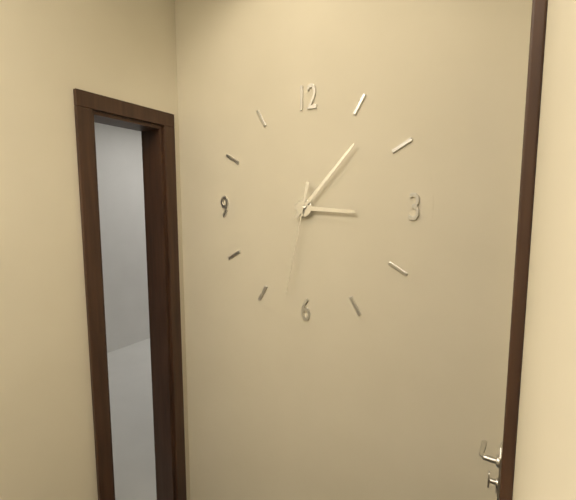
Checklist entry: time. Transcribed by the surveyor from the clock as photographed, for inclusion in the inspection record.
3:07:32
